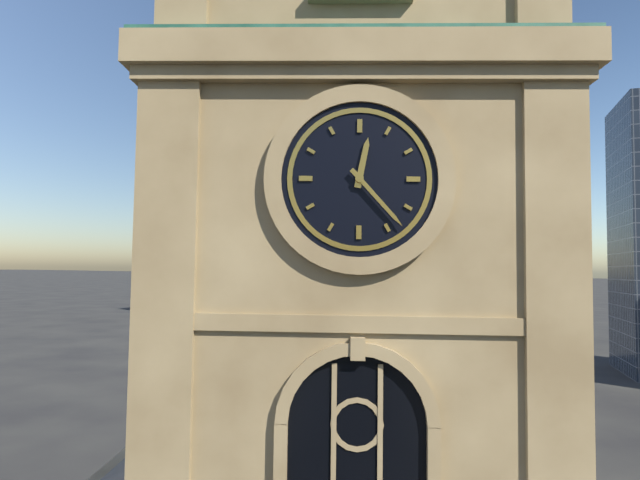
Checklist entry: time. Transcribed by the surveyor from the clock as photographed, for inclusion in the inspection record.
12:23
